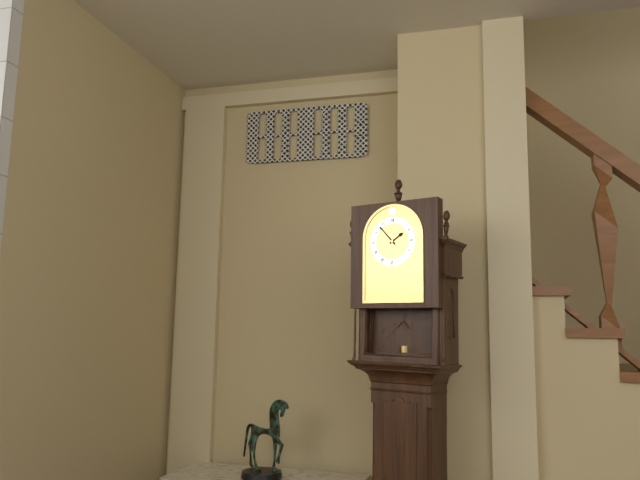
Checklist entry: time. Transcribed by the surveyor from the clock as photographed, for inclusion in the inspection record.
1:53
